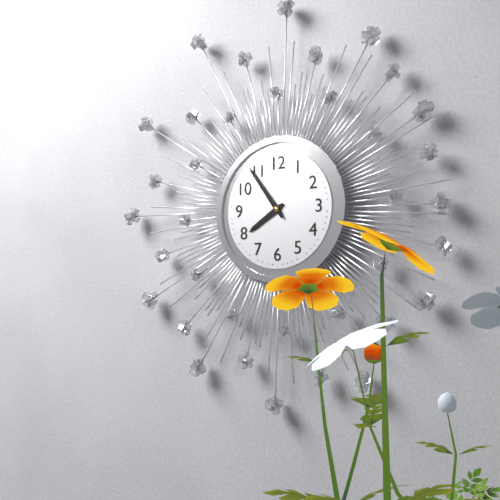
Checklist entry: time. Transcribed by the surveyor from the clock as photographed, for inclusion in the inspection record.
7:54
